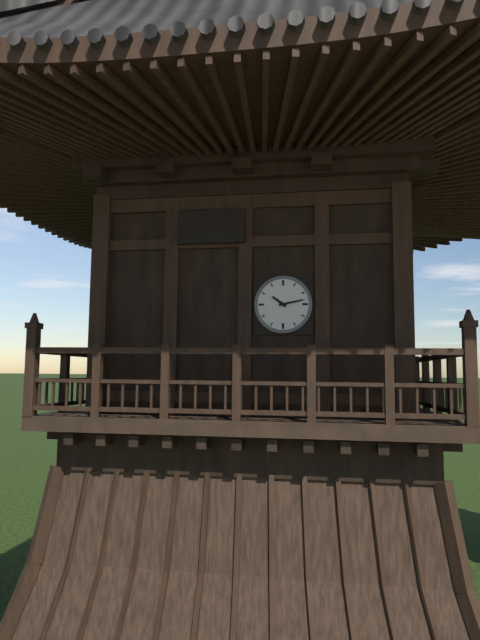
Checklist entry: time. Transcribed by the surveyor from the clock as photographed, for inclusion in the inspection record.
10:13
